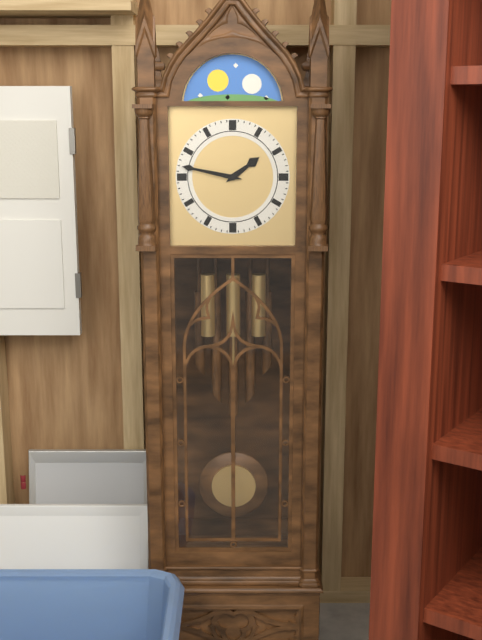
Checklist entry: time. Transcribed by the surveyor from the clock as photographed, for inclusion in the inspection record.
1:47
